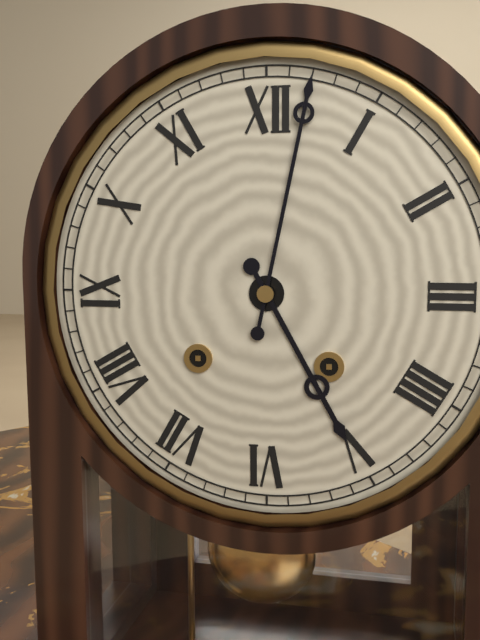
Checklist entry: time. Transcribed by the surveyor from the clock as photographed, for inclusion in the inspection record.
5:02
